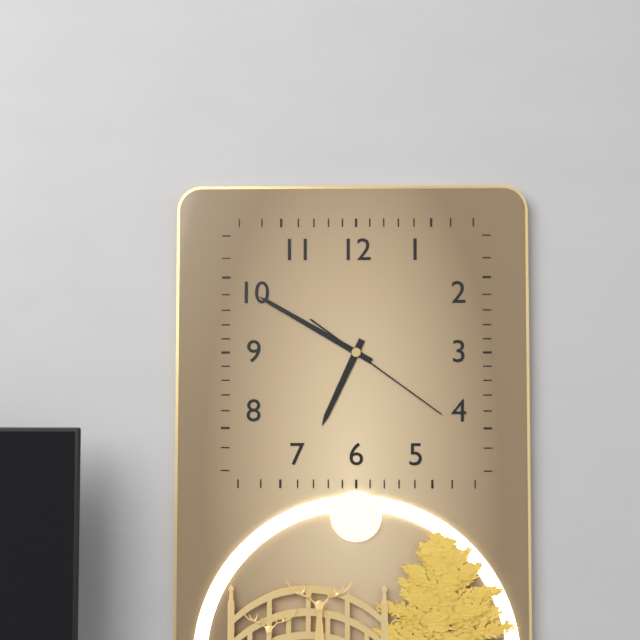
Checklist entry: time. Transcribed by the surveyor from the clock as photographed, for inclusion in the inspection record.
6:50:21
